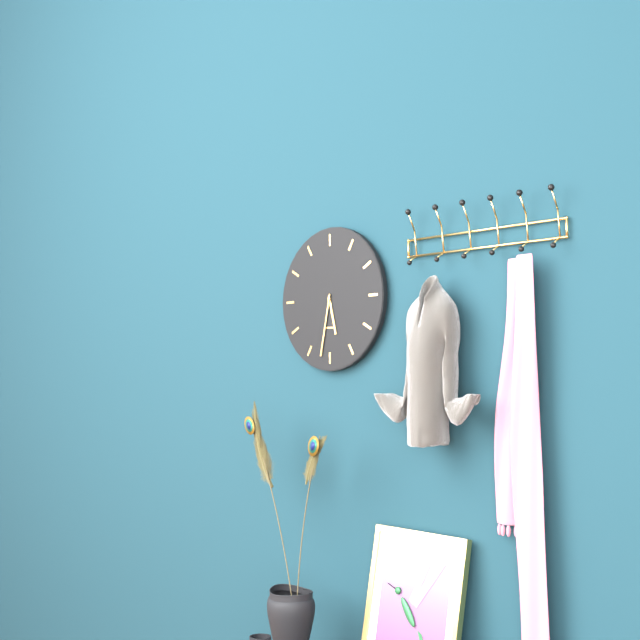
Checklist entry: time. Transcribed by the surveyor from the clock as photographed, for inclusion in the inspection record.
5:32
